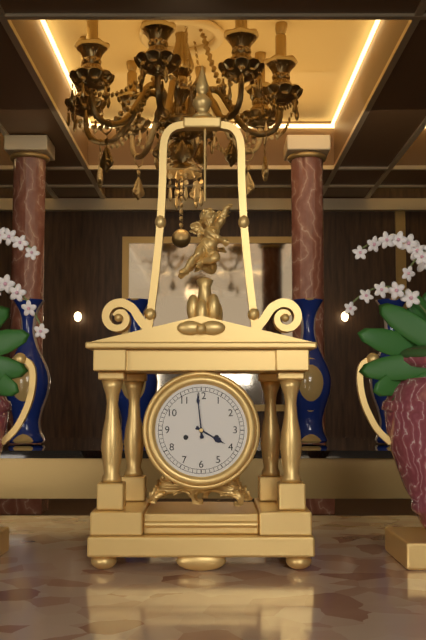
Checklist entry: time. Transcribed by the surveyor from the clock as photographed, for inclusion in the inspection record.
3:59
